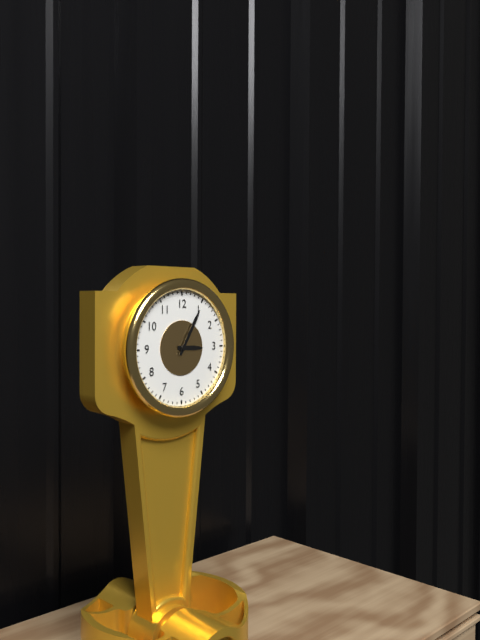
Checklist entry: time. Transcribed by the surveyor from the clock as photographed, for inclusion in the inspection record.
3:05
